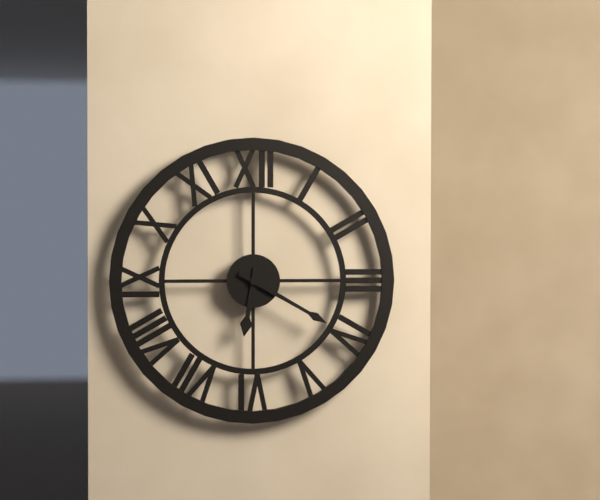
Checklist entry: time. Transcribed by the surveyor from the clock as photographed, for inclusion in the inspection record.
6:20
